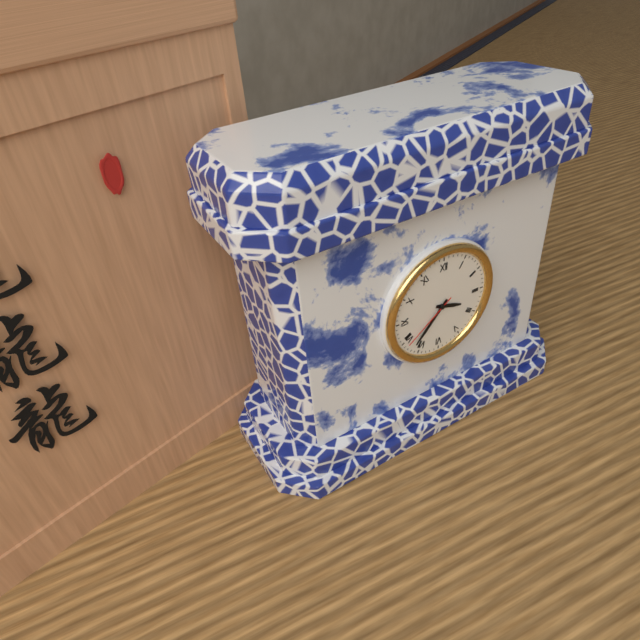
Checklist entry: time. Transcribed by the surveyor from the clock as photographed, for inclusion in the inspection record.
3:37:39
